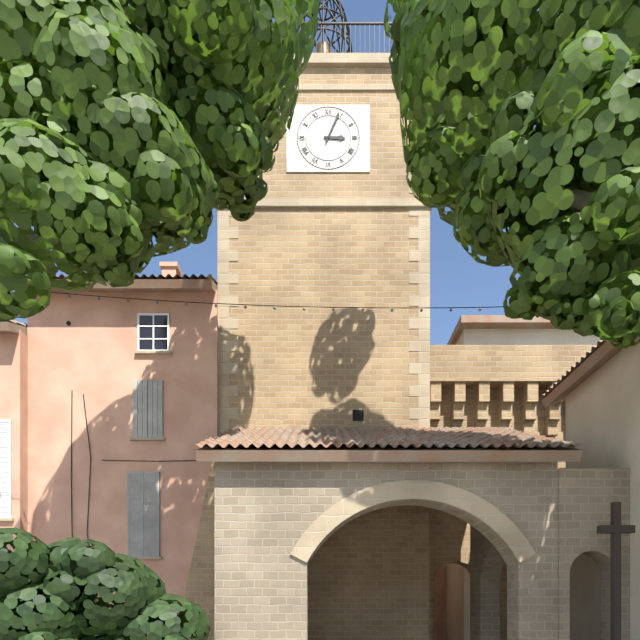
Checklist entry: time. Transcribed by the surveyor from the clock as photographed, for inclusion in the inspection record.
3:04
